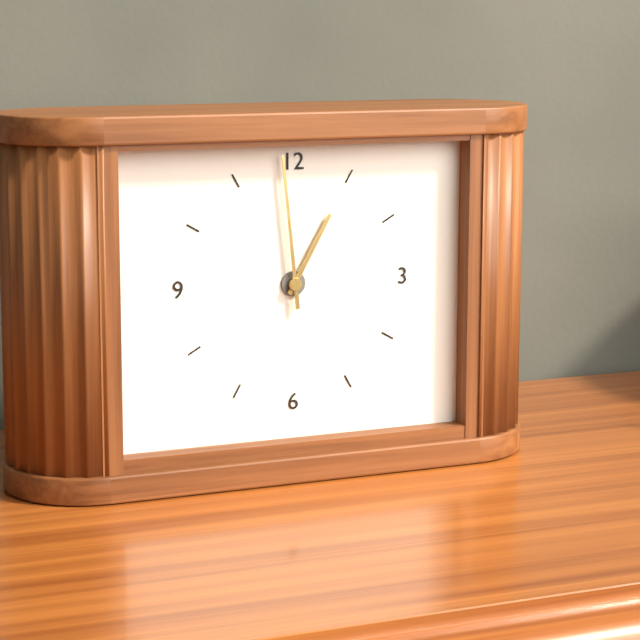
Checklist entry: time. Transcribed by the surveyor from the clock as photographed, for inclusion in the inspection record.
12:59
